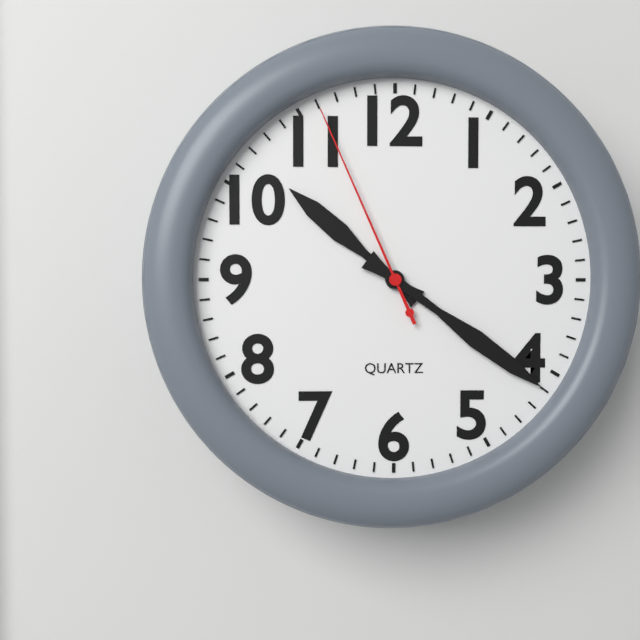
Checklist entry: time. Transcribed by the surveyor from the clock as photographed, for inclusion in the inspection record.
10:21:56
